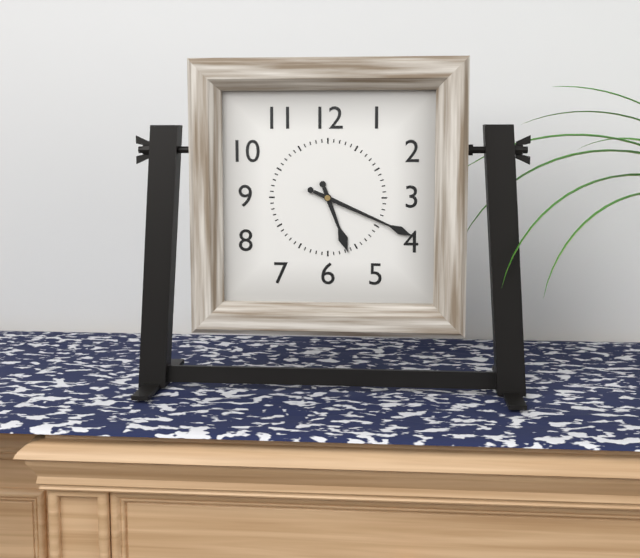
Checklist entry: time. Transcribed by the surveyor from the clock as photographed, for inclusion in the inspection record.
5:19
